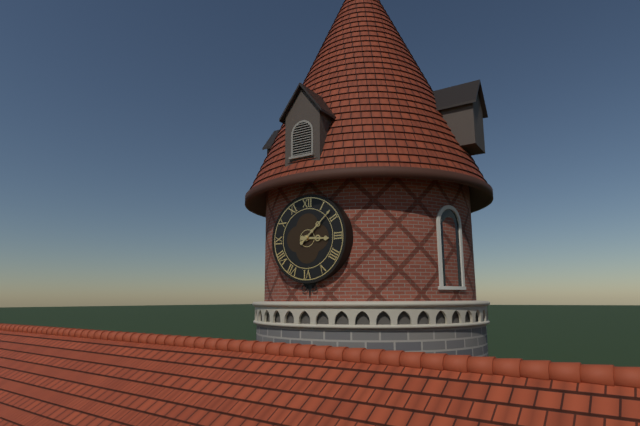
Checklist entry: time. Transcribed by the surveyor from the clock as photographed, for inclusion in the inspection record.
3:08
